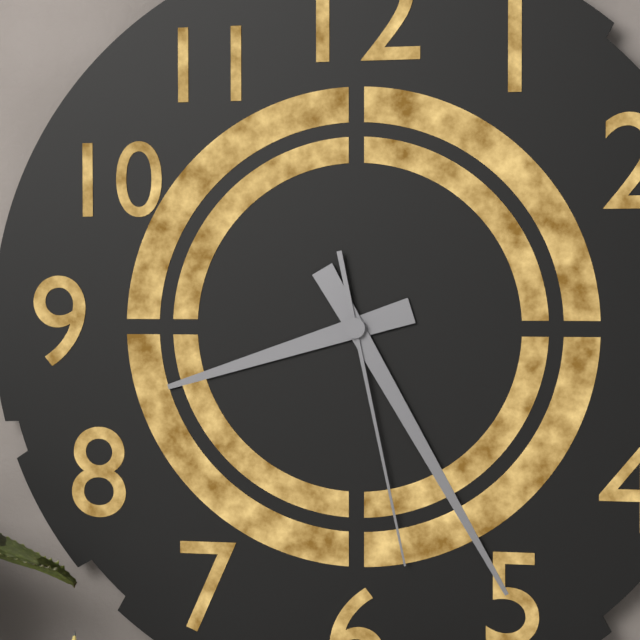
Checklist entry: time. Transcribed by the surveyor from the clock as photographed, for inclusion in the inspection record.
8:25:28
